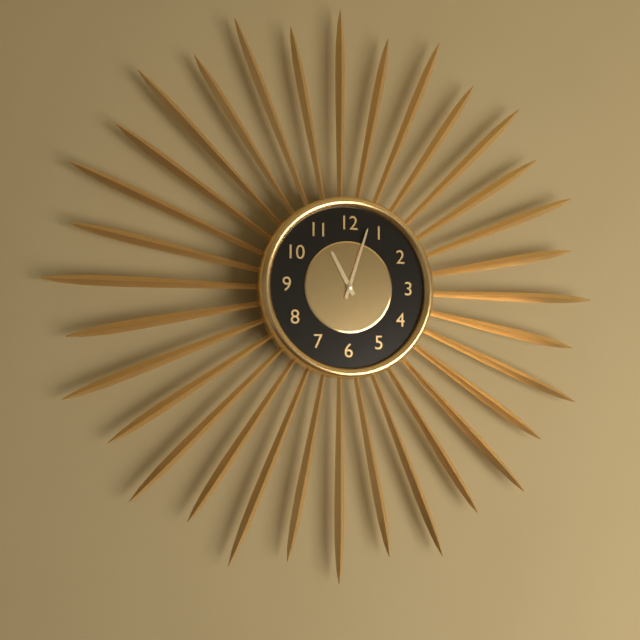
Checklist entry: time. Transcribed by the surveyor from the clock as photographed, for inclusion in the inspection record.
11:03
